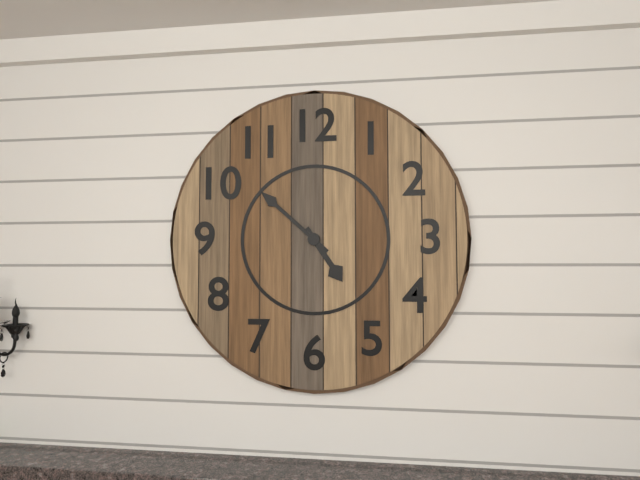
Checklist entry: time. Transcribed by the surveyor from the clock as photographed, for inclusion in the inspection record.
4:52
